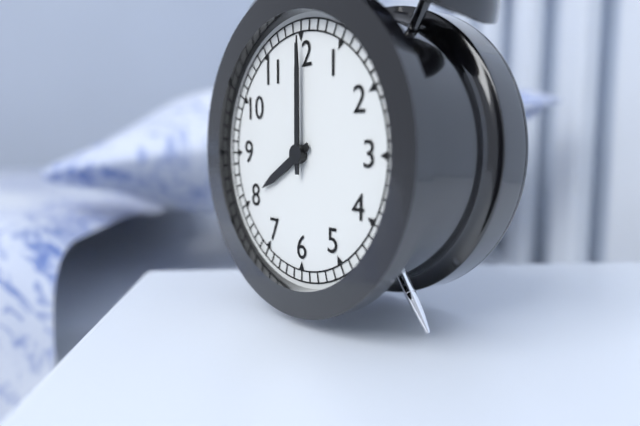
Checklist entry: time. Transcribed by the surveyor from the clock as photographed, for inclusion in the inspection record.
8:00
